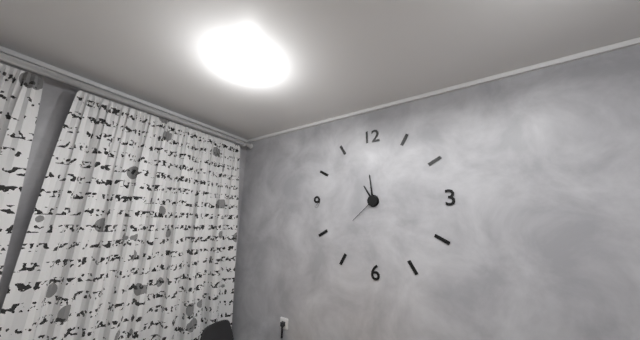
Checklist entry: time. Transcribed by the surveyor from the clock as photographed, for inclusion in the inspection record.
10:59
